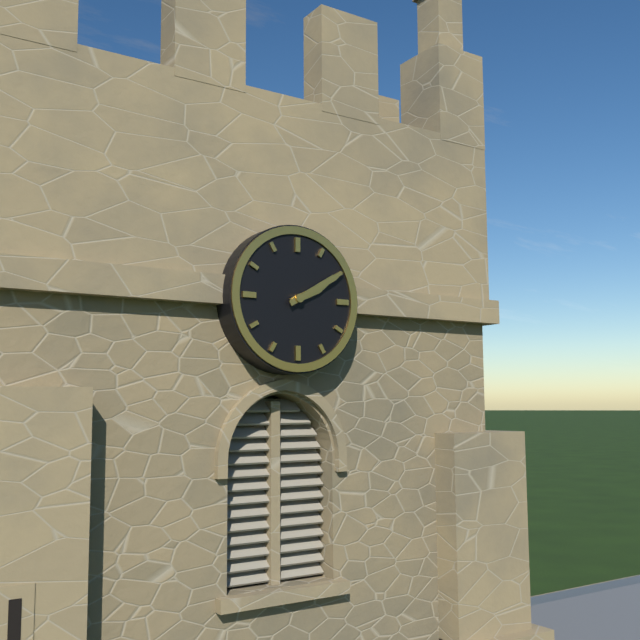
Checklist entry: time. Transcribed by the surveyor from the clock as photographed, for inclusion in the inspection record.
2:10
